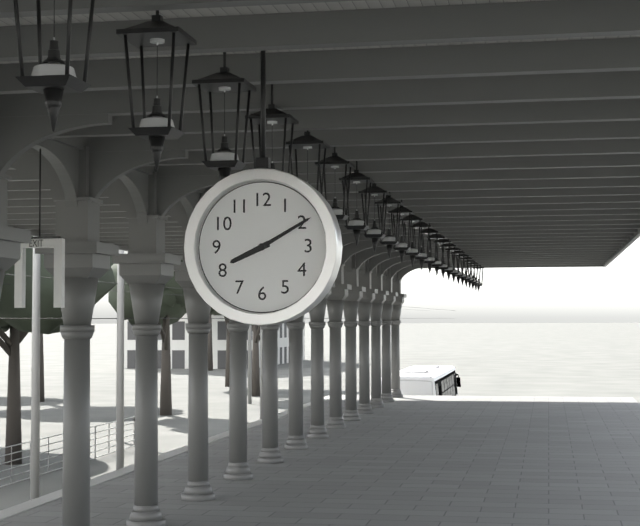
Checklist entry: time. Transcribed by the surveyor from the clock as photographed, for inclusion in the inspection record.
8:10
